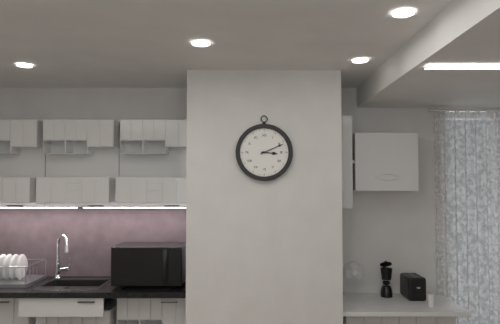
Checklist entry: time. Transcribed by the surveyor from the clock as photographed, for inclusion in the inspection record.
3:11
